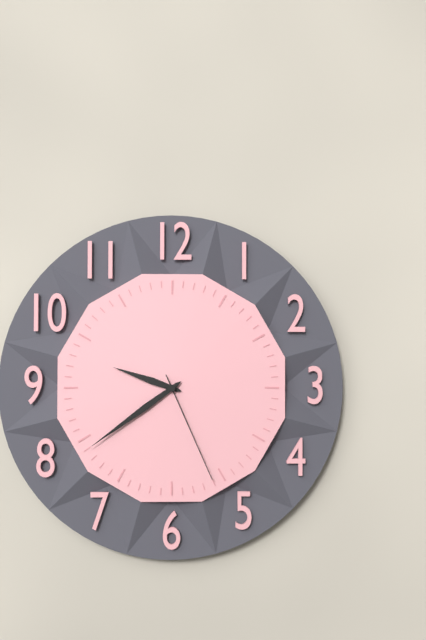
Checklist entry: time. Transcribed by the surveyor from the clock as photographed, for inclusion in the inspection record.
9:39:26
